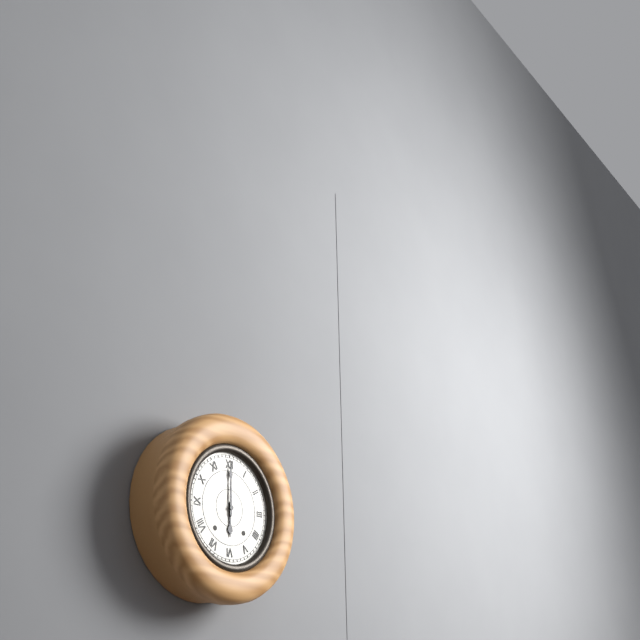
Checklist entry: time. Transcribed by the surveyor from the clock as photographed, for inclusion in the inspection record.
6:00
